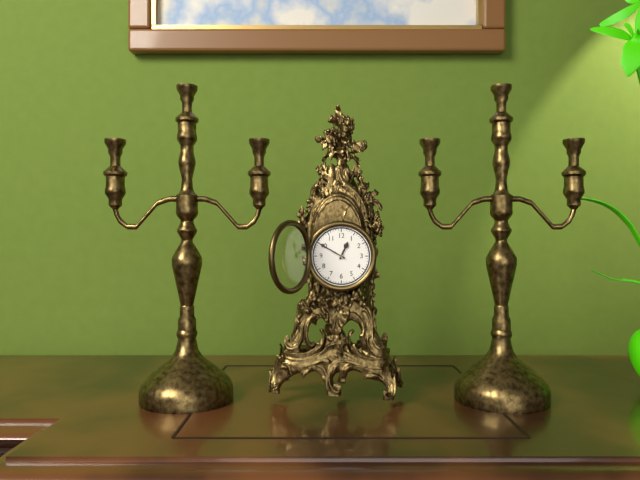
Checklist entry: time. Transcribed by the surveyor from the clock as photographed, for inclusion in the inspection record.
12:50
